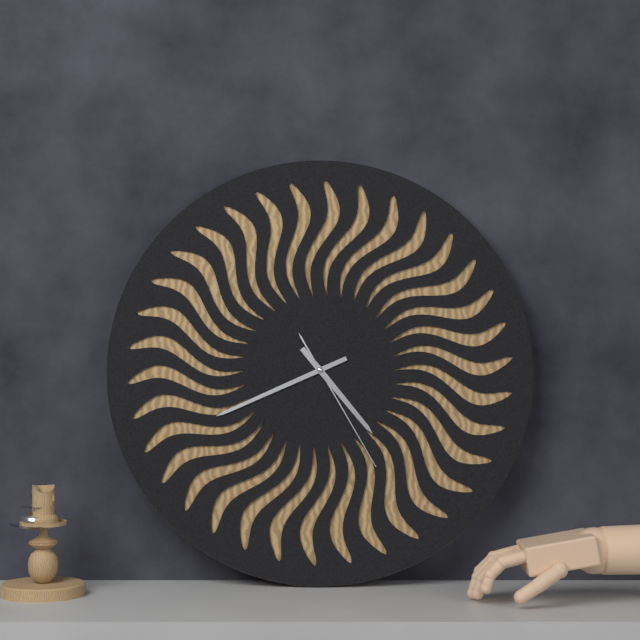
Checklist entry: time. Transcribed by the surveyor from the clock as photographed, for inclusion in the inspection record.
4:41:25
